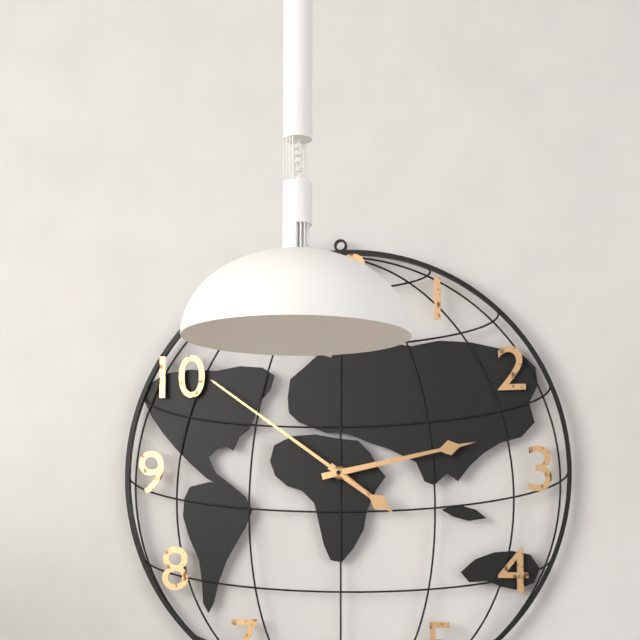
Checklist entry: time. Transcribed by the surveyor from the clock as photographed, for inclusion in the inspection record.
4:13:51
